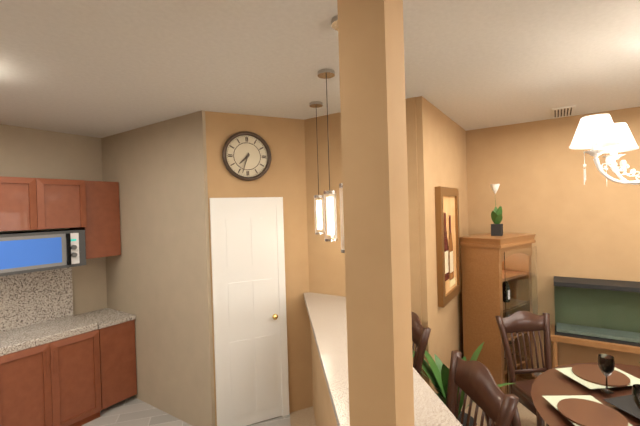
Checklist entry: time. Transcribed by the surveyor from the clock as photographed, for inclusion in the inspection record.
7:33
